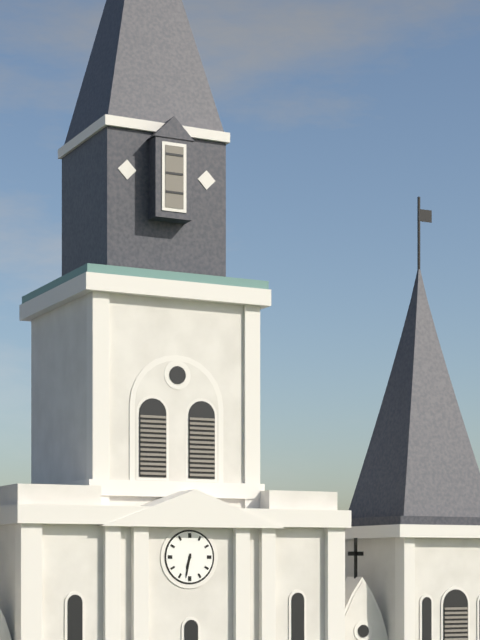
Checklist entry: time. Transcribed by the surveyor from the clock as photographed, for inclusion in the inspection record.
6:32
